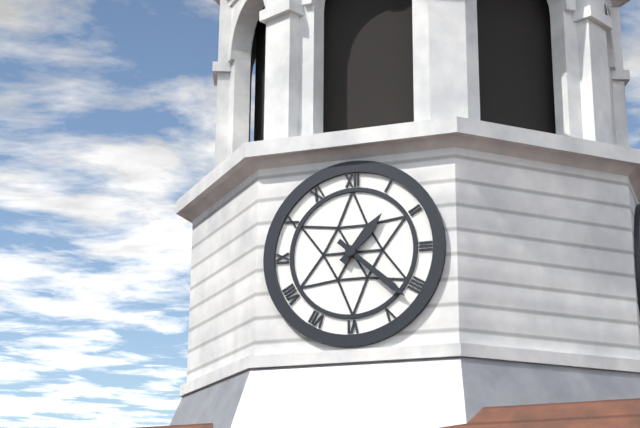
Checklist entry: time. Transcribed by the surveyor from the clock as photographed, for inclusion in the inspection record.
1:22
